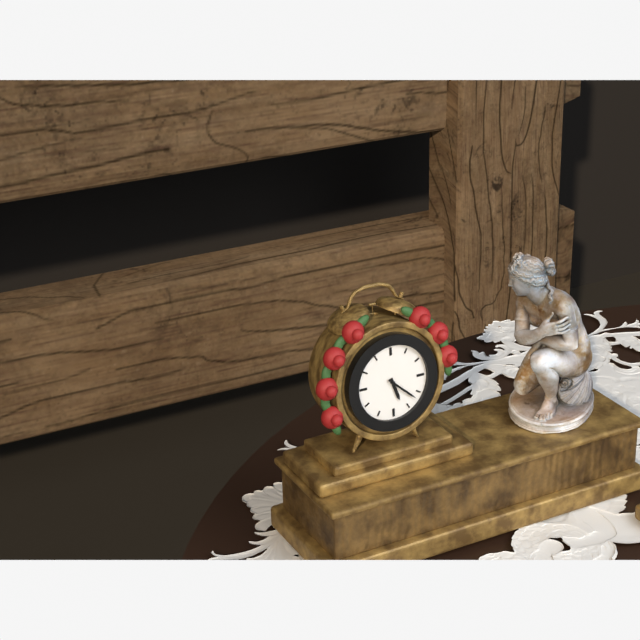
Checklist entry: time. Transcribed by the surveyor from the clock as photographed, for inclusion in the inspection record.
5:22
